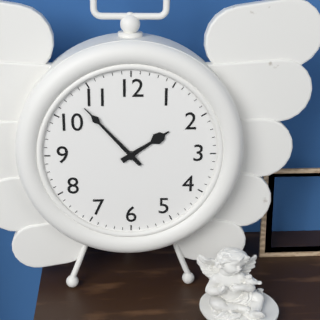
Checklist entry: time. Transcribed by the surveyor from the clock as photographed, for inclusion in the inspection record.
1:53
